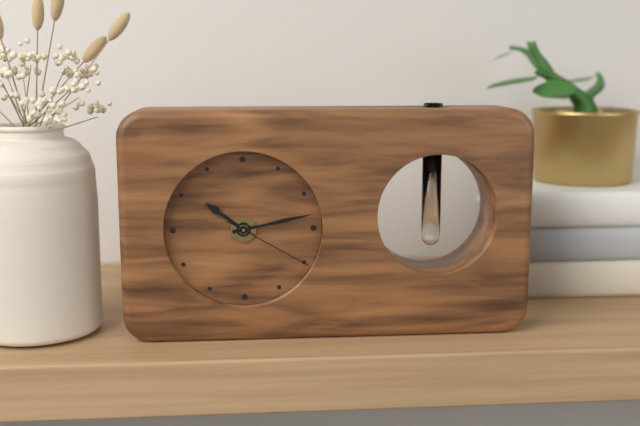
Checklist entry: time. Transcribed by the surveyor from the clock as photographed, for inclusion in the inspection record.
10:13:20
